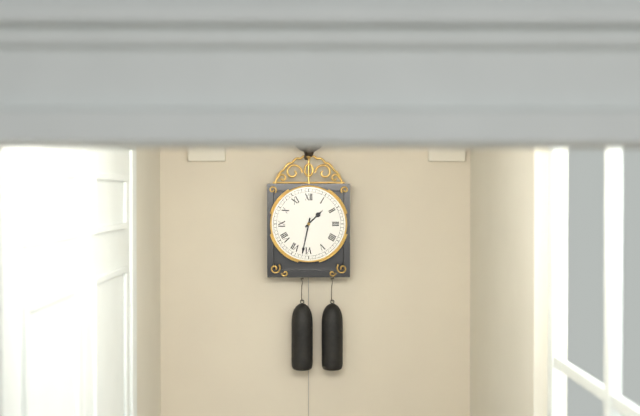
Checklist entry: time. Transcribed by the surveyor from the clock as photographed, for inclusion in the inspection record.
1:32
